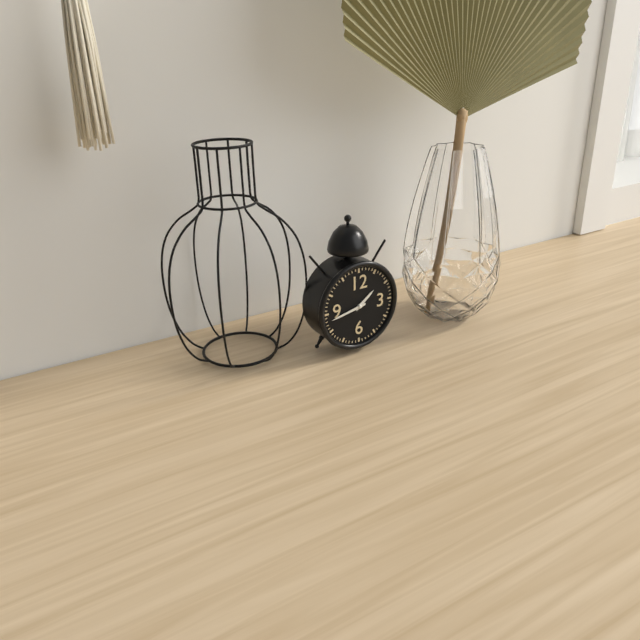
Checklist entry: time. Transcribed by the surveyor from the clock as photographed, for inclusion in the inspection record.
1:43
